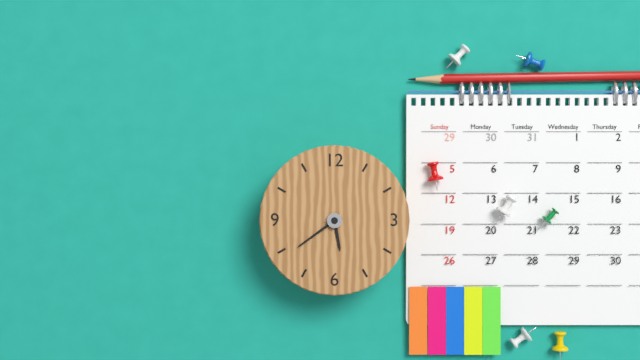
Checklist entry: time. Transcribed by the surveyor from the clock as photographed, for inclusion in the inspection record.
5:39
